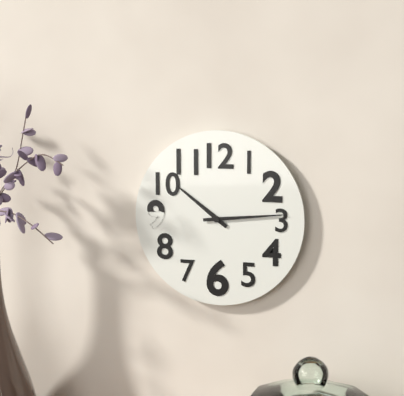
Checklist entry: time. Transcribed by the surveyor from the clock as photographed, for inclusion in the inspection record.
10:14
